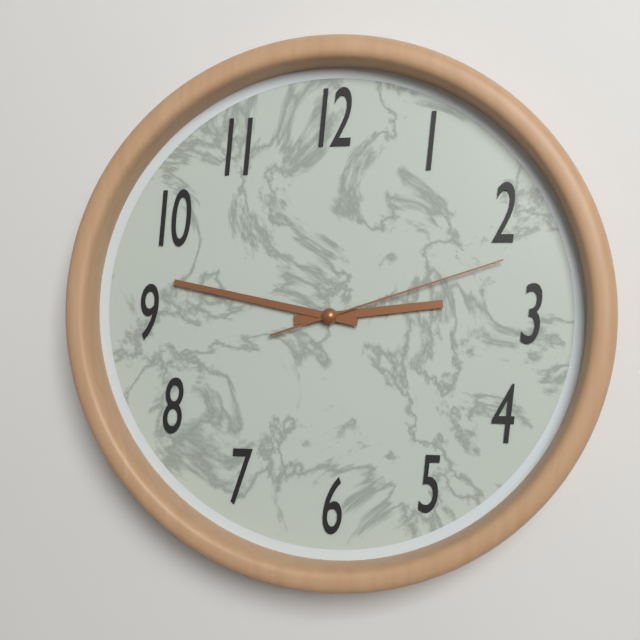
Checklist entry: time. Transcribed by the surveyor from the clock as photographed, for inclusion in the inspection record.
2:47:12
